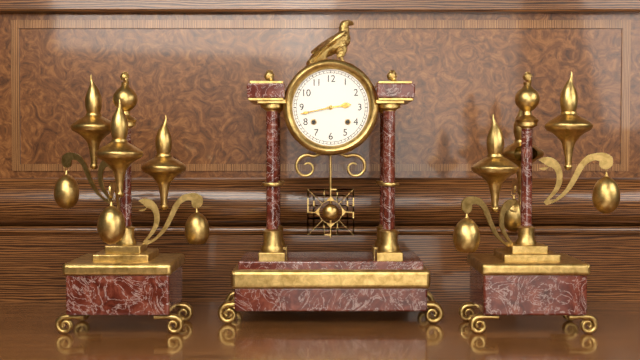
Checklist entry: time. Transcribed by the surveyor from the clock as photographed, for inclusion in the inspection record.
2:43
